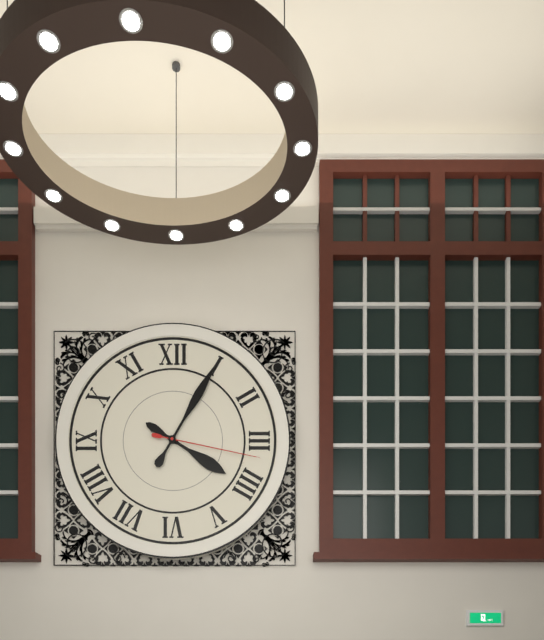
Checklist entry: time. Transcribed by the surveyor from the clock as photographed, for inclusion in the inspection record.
4:05:17
